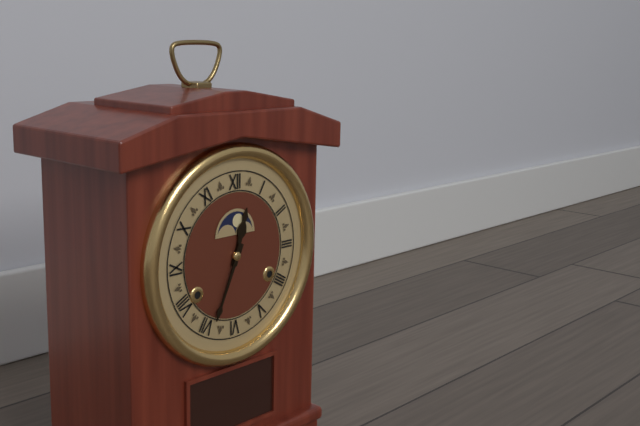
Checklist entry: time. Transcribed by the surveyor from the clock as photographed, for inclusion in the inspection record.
12:34
